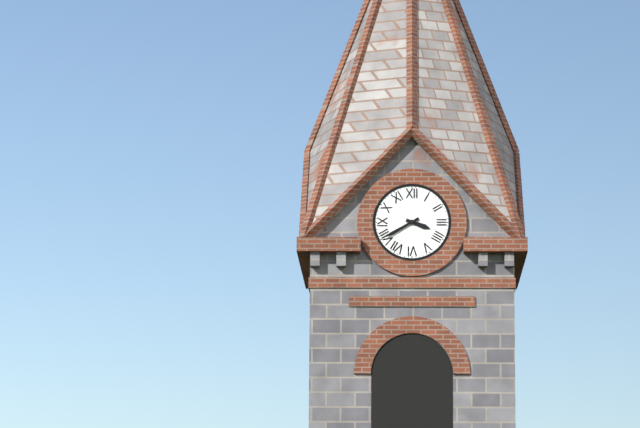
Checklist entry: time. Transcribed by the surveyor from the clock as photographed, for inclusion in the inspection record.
3:40
